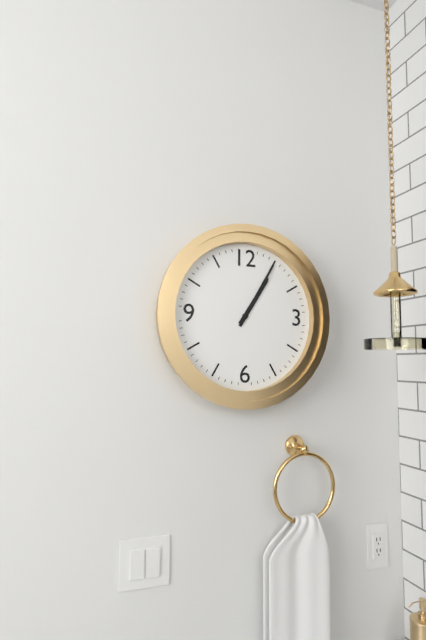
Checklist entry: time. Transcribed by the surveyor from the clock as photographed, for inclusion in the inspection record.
1:05
